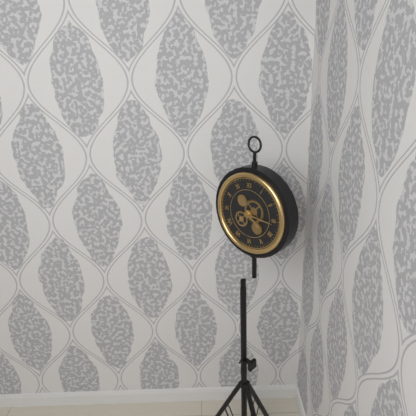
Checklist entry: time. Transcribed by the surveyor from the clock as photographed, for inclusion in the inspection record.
4:16
